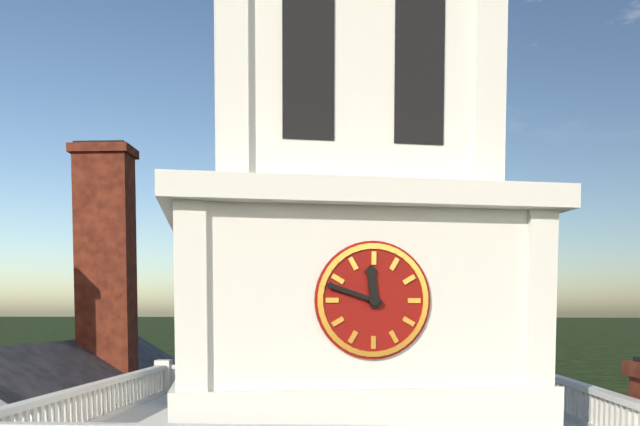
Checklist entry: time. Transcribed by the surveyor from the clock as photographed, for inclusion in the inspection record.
11:48
